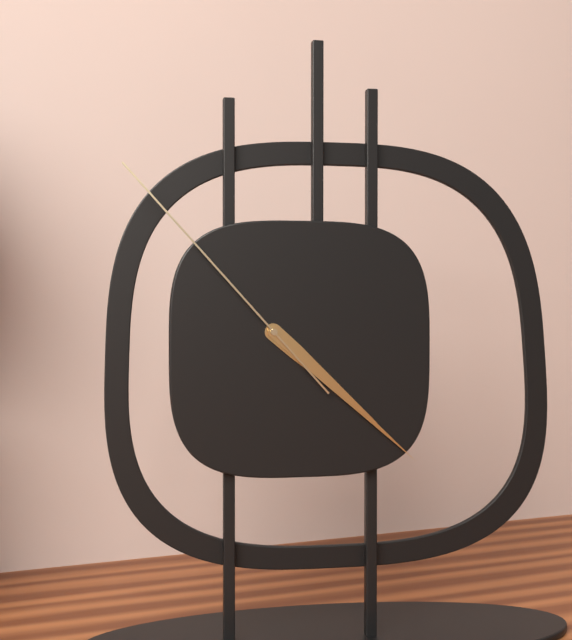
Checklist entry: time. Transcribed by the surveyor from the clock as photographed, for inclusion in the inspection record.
4:22:53
